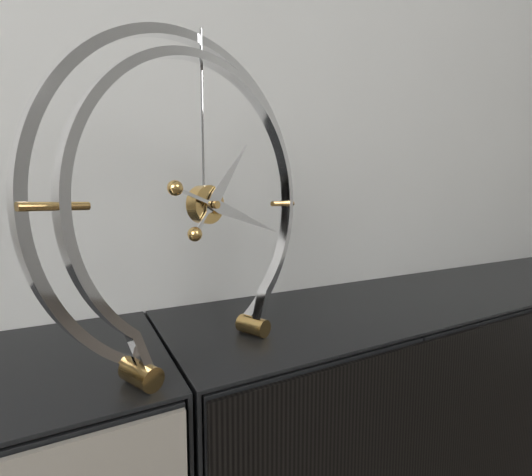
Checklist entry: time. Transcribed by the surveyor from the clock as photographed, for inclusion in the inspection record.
1:18
